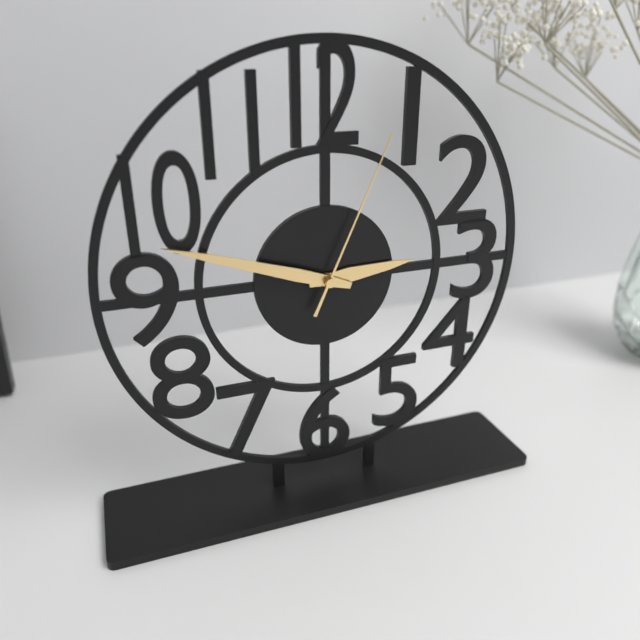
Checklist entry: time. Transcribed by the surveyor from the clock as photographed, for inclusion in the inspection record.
2:48:04
